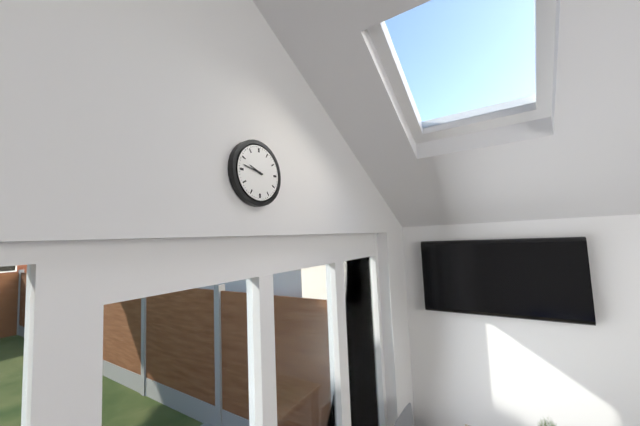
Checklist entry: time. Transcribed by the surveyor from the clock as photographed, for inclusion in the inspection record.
9:47
